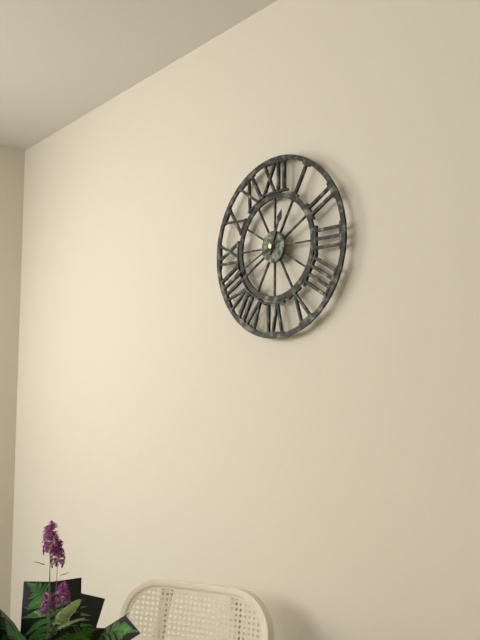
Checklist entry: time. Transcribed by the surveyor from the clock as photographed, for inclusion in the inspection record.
12:41
